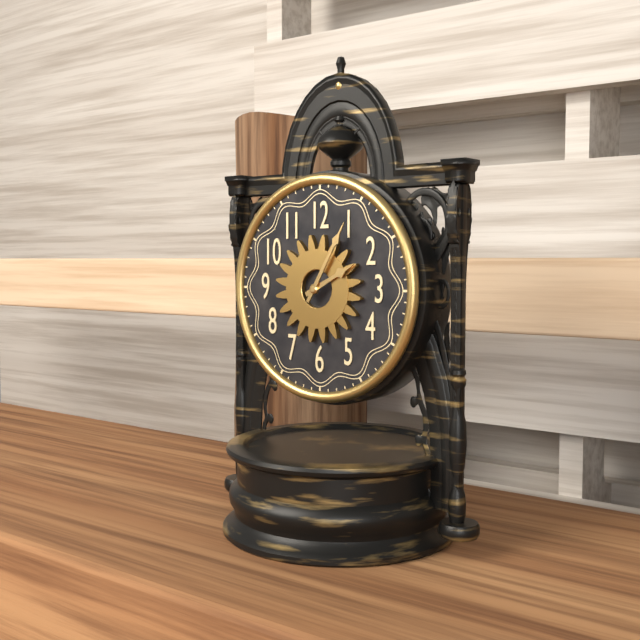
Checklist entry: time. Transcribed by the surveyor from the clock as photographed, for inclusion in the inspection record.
2:05
